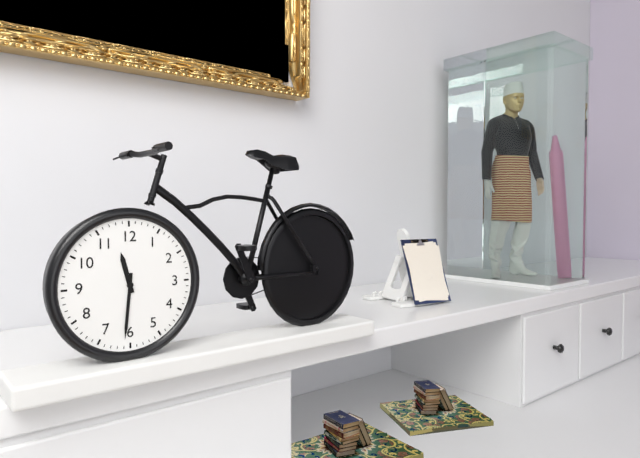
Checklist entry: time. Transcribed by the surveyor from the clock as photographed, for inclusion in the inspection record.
11:31
